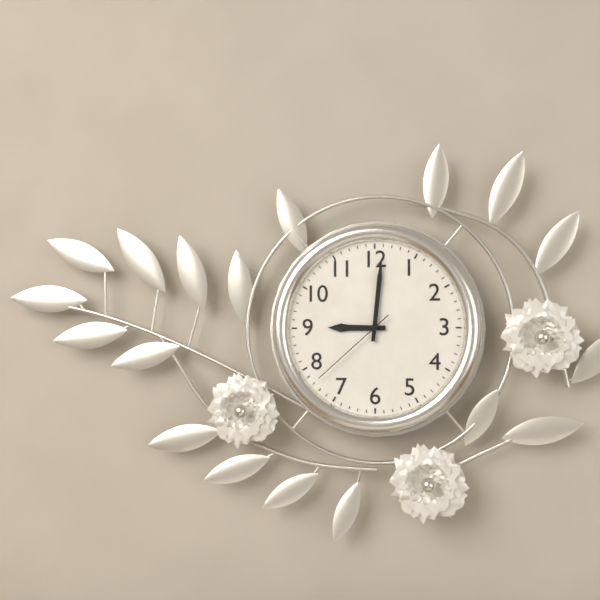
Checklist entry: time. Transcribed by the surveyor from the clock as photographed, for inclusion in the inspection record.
9:01:38
